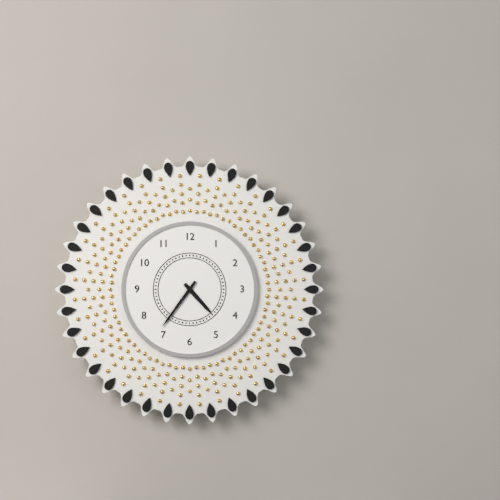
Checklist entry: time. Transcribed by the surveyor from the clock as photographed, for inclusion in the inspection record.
4:36
